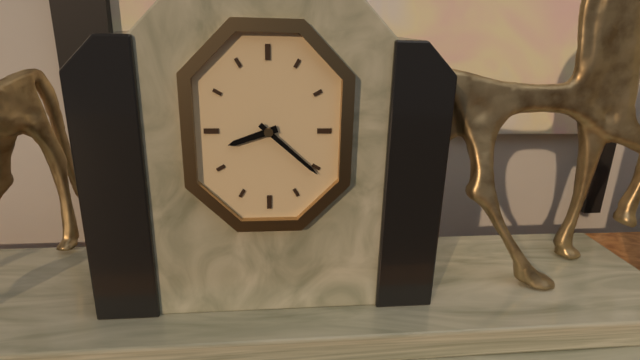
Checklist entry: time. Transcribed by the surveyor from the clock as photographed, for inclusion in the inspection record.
8:22
